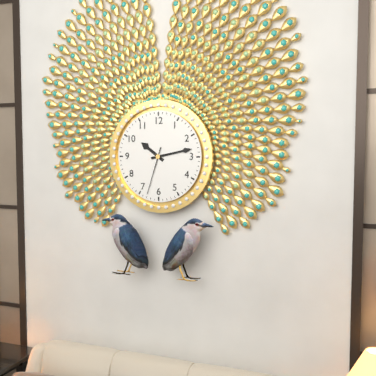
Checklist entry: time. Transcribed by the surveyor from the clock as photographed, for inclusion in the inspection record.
10:13
